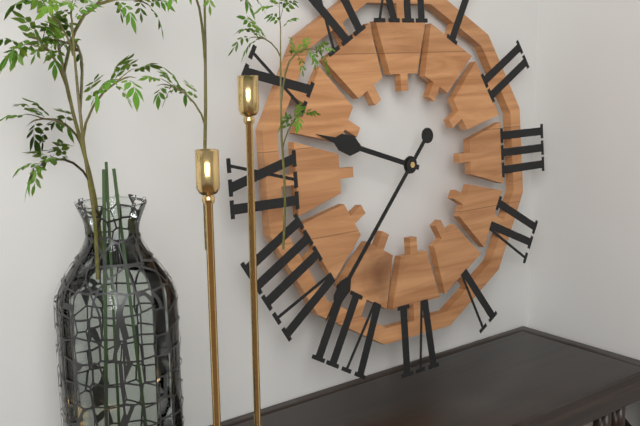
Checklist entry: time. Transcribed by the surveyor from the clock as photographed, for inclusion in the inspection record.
9:37
